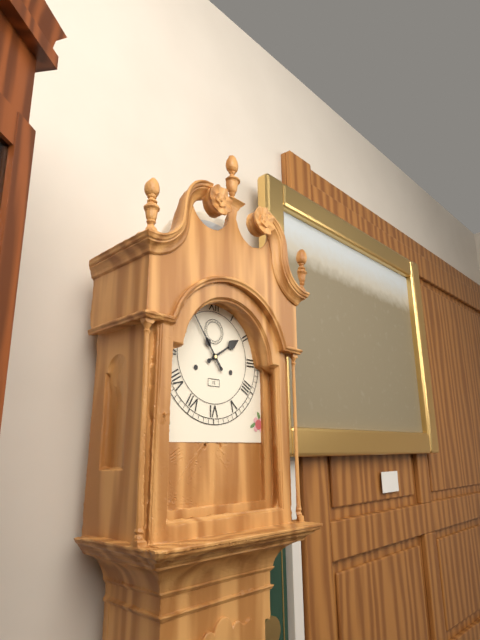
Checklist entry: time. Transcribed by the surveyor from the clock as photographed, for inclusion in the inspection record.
1:54
